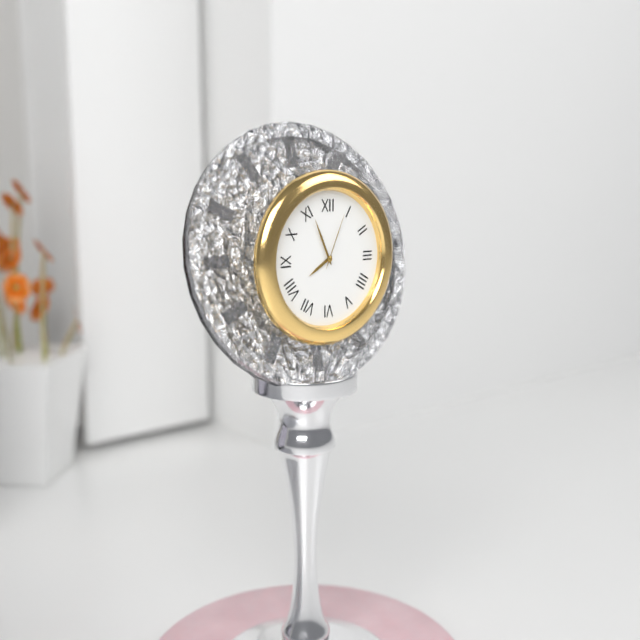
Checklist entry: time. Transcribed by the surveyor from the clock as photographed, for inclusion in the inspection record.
7:56:04
